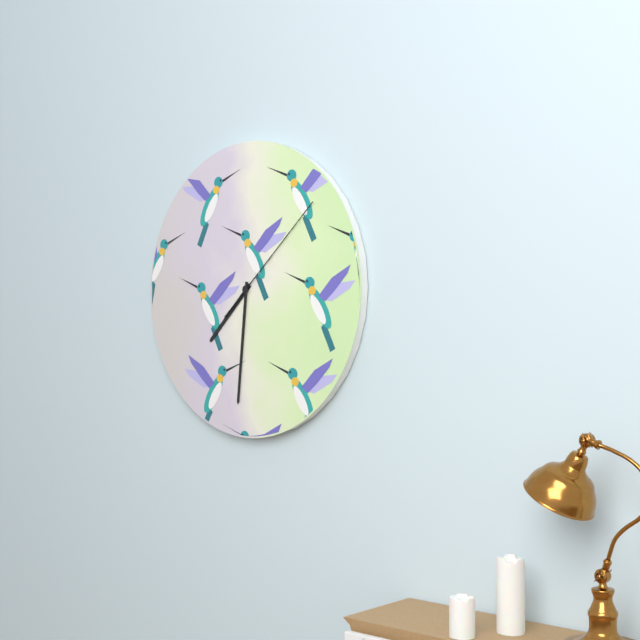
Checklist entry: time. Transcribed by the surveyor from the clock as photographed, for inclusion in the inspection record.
7:31:08
